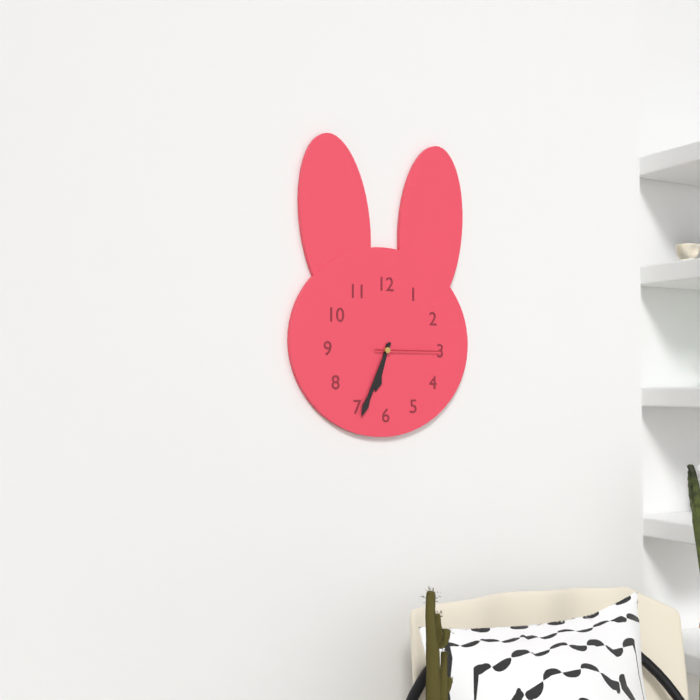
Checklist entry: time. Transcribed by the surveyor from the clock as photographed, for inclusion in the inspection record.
6:34:15
